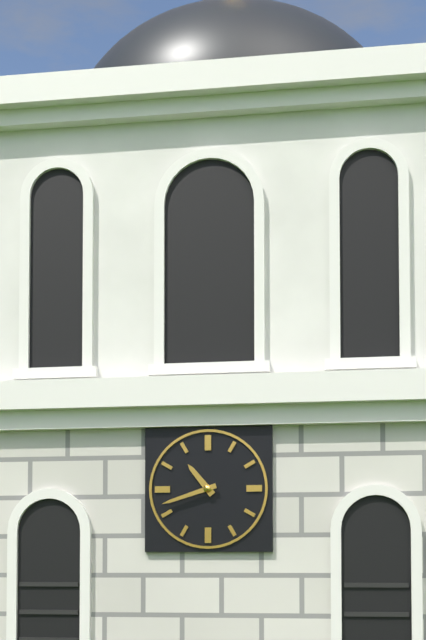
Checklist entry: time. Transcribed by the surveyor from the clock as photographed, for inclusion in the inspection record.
10:42
